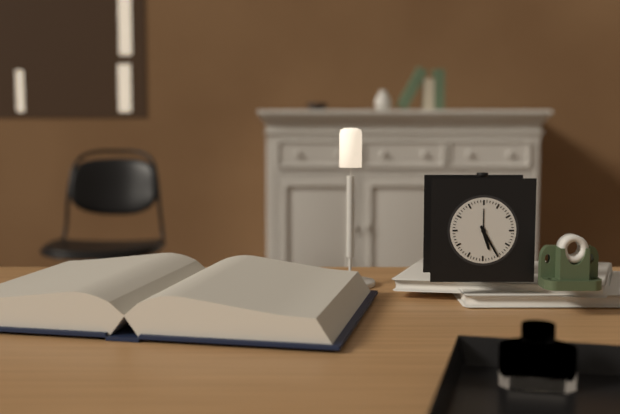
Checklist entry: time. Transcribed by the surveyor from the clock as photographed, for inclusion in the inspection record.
5:25
